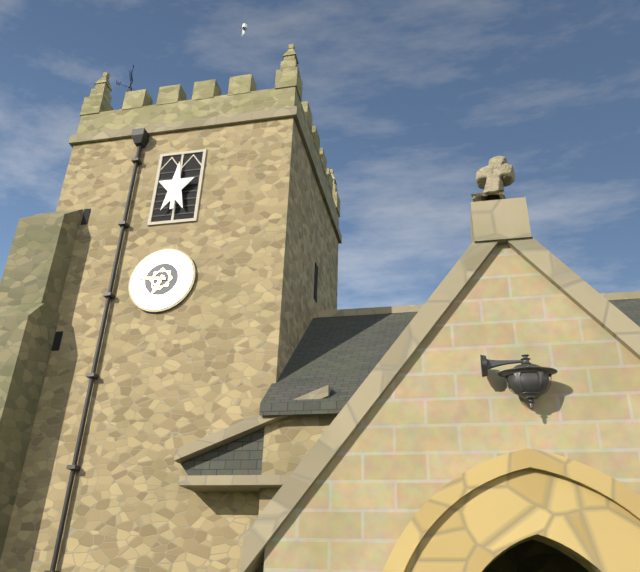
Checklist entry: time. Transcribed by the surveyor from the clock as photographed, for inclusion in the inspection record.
6:46
